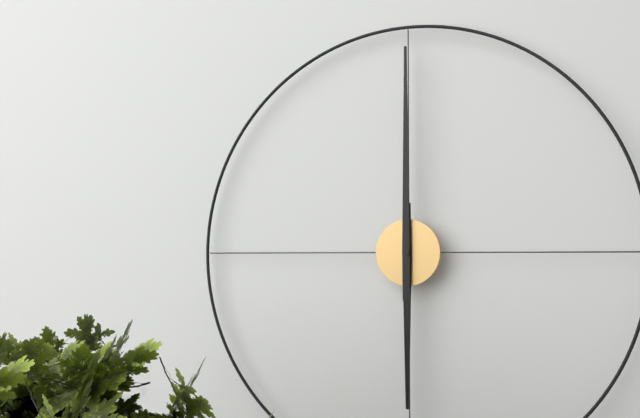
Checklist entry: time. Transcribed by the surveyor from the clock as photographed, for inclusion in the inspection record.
6:00
